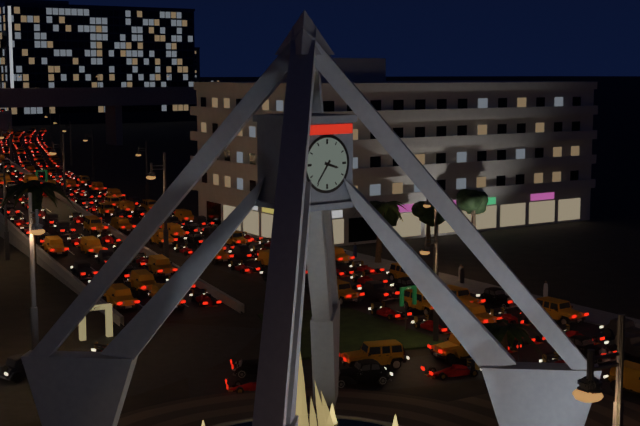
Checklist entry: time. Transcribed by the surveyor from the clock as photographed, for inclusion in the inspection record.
3:36
